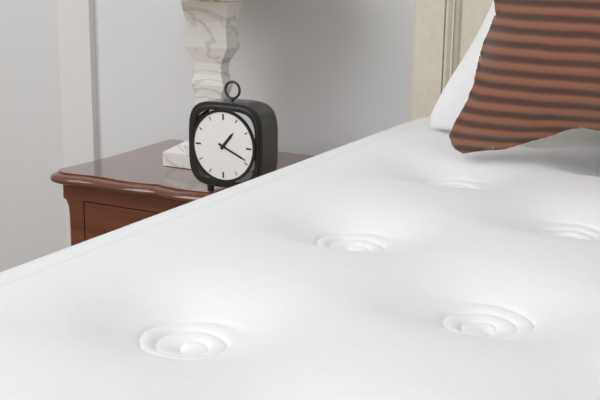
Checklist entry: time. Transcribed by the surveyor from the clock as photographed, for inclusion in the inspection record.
1:19
